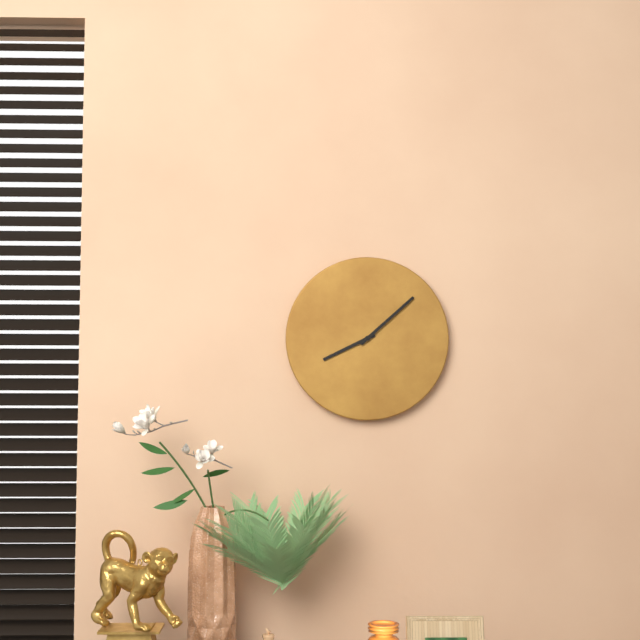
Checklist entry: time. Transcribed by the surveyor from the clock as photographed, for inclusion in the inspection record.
8:08
